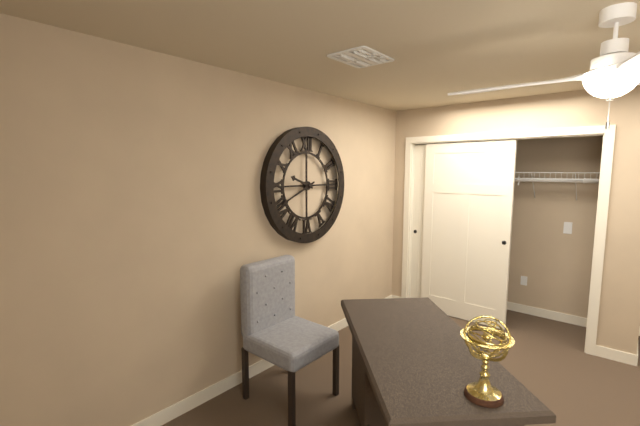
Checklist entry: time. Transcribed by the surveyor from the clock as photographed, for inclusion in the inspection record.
9:41
